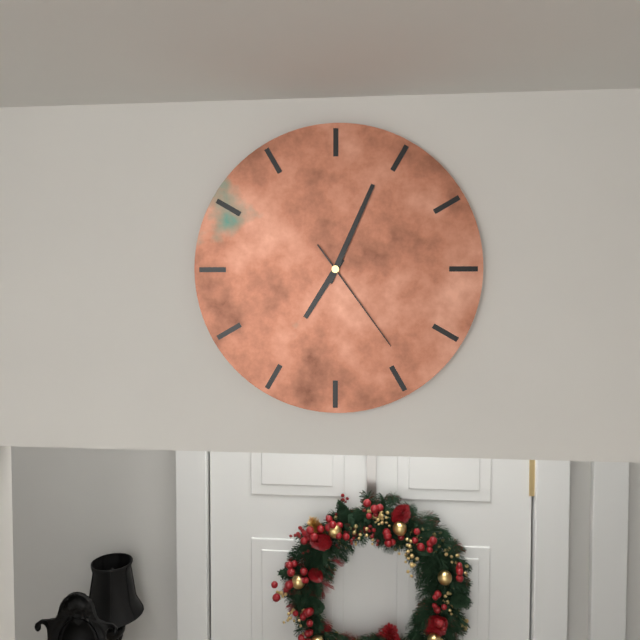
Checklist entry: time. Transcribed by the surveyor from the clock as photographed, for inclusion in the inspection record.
7:04:24
